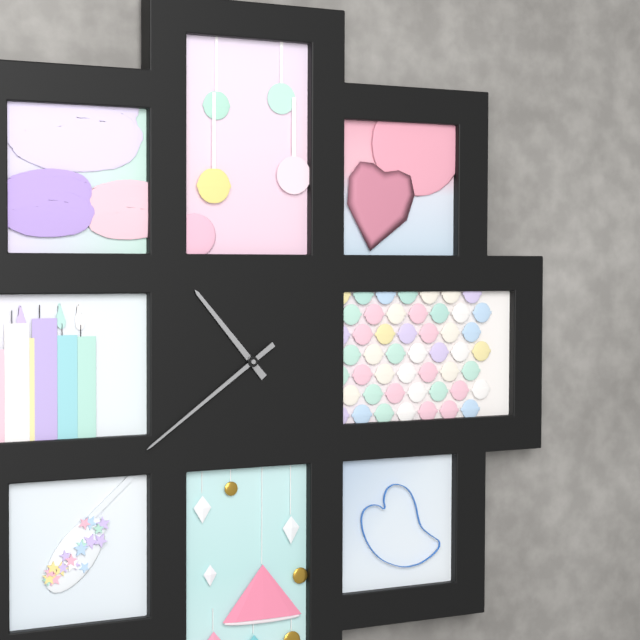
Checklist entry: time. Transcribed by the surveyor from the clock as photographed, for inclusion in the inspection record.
10:39
